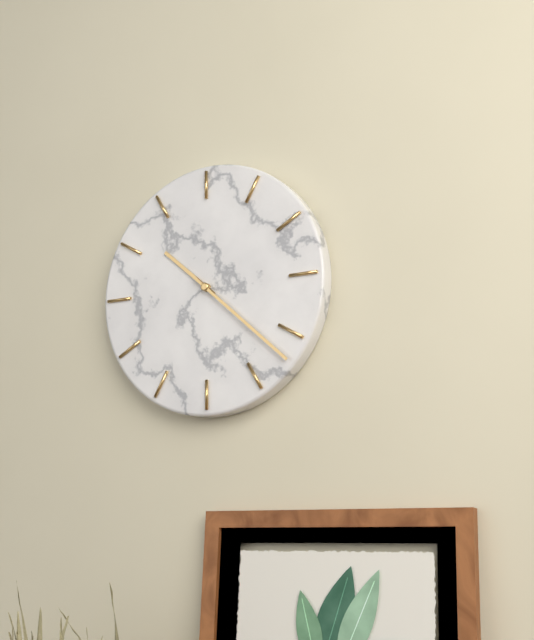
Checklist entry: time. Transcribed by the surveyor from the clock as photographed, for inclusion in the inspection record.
10:22
